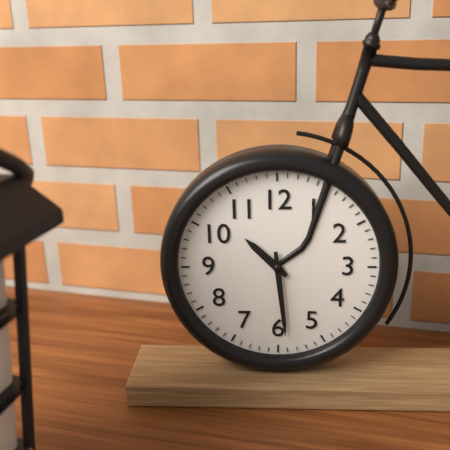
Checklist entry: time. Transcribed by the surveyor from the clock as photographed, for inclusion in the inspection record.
10:29
